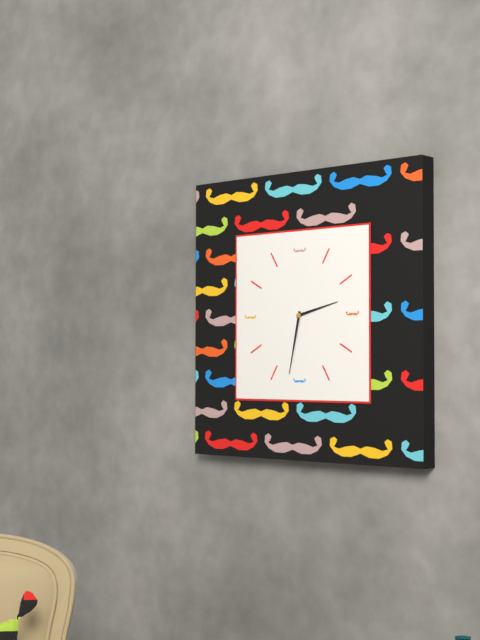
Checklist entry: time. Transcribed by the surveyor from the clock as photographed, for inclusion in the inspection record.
2:32
